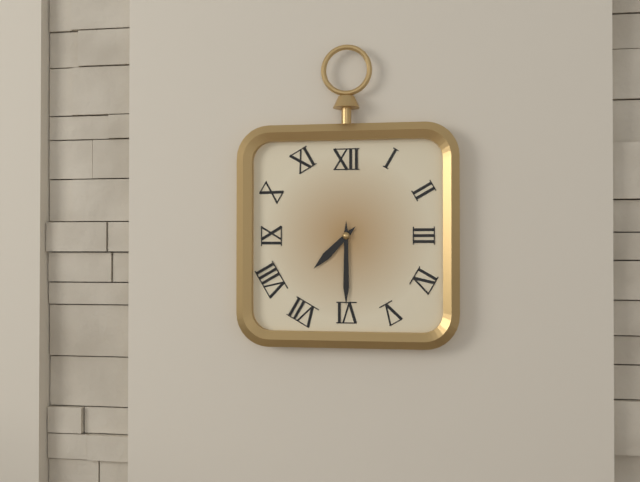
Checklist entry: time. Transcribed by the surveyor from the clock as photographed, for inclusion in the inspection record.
7:30
